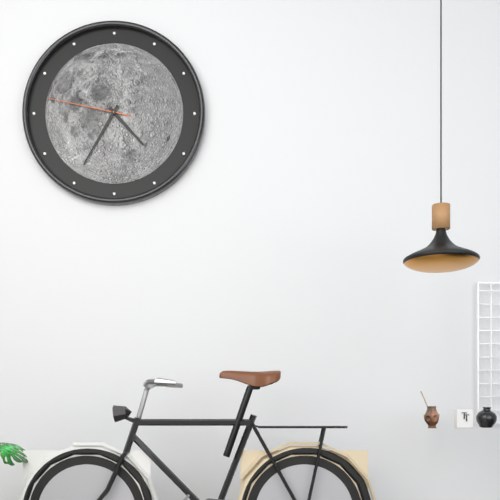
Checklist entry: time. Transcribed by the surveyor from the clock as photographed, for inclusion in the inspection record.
4:35:47
